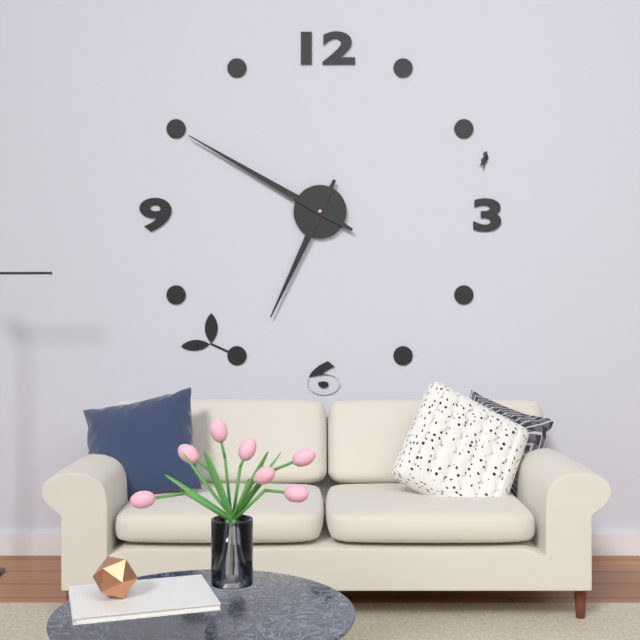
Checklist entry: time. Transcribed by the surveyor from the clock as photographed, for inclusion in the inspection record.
6:50
